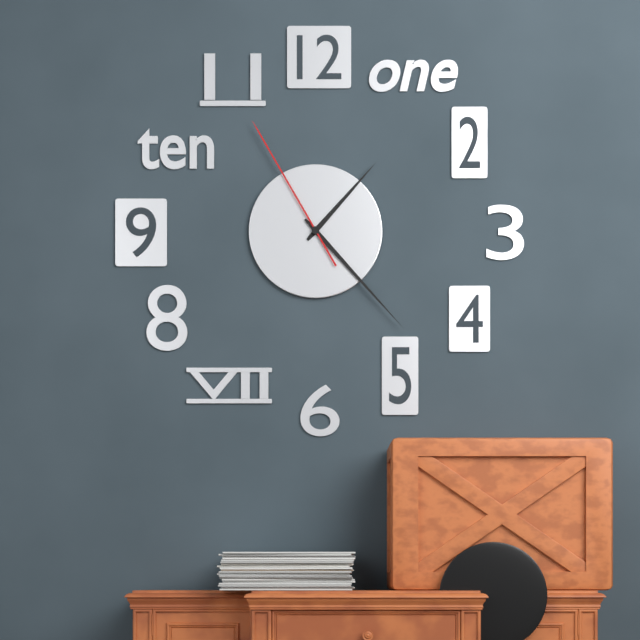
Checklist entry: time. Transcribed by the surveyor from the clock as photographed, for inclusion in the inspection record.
1:23:55
